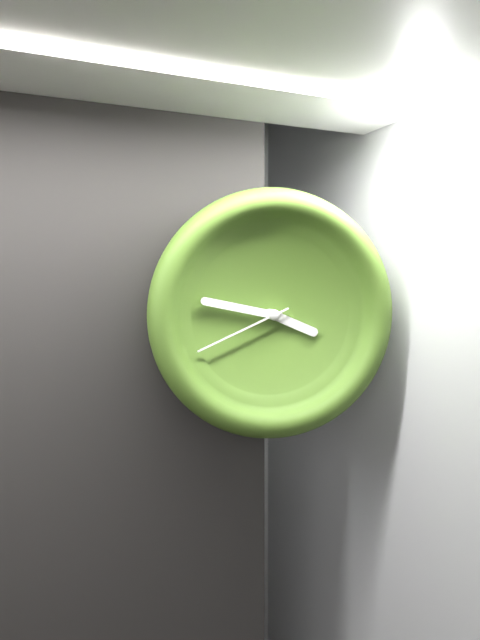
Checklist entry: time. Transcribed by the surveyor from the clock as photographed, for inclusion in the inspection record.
3:47:41
